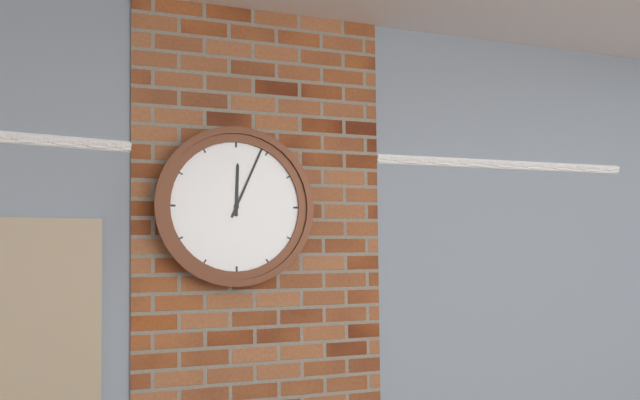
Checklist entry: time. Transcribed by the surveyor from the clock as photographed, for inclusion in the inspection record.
12:04
